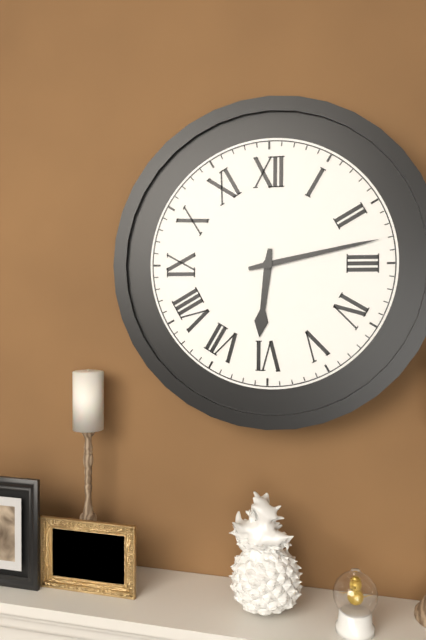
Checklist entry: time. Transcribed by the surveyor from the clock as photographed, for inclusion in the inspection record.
6:13
